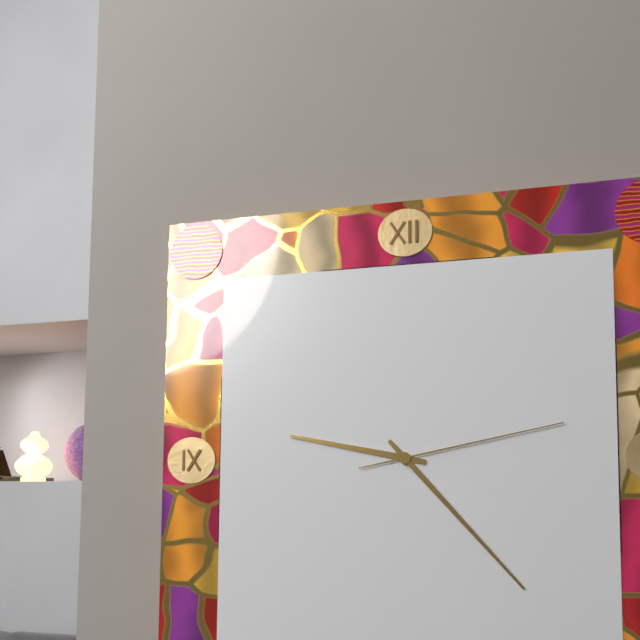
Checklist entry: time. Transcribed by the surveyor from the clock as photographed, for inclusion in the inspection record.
9:23:13
